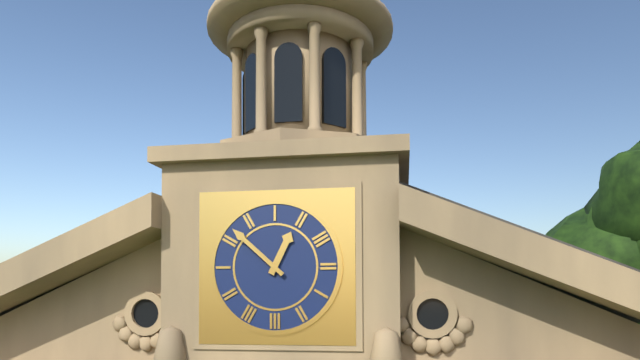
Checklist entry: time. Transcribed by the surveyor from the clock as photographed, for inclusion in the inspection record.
12:52
